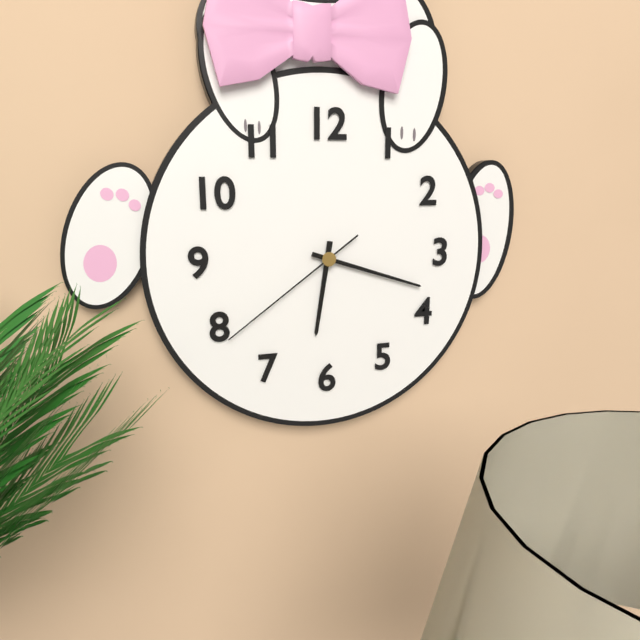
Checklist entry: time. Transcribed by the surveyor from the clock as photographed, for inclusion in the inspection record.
6:18:39
